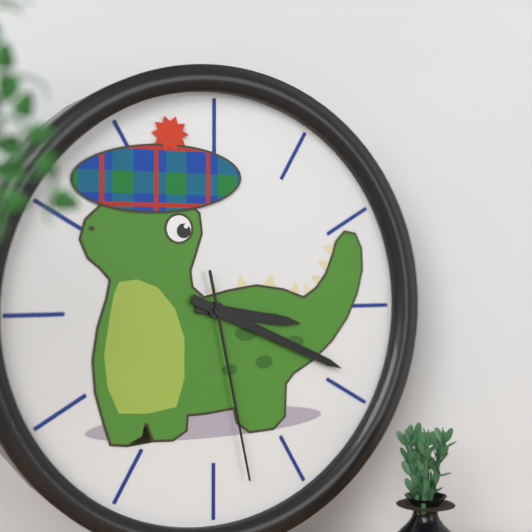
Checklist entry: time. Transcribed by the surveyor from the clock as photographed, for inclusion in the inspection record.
3:19:28
